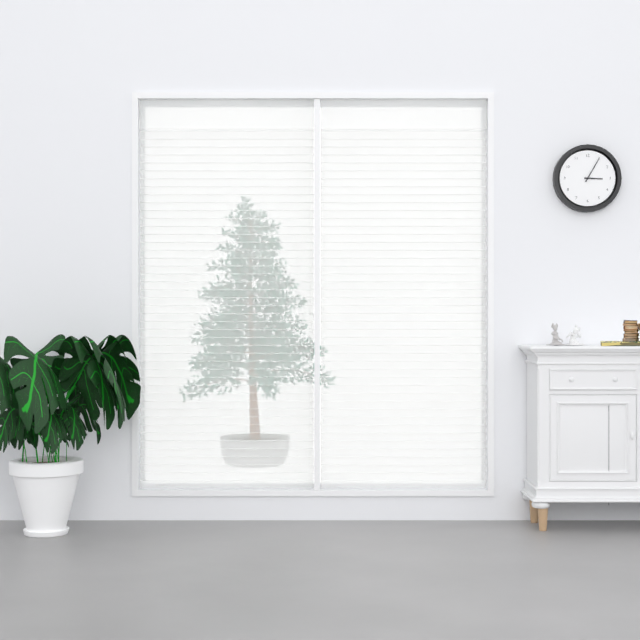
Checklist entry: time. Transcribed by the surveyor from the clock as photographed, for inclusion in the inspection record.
3:05
